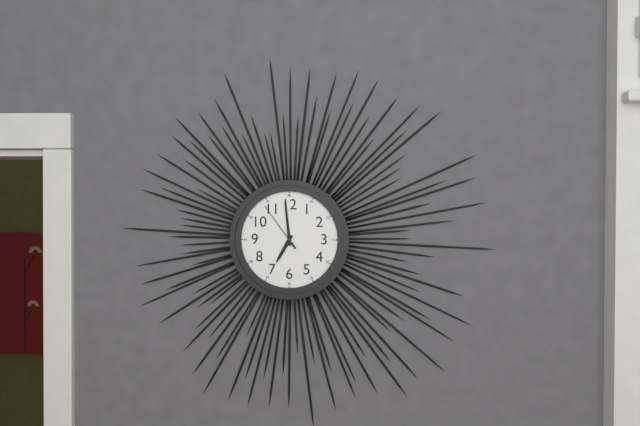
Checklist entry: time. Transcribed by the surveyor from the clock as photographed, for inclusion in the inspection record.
6:59:54
